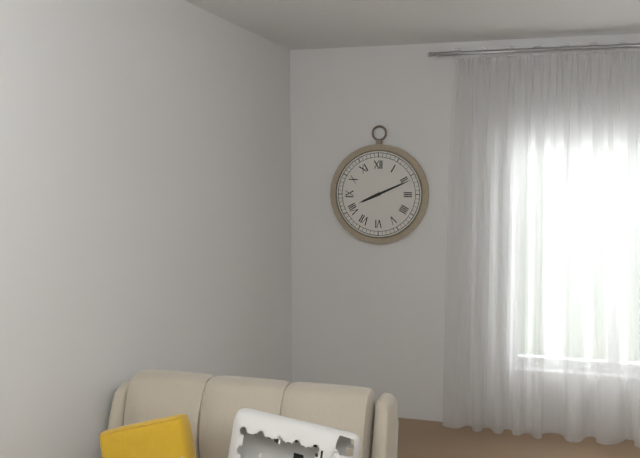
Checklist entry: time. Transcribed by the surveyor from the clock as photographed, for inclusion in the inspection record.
8:11
